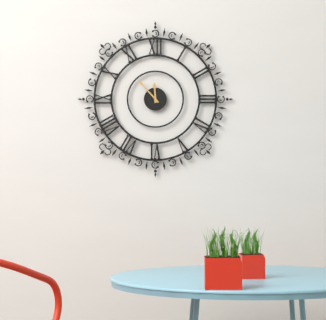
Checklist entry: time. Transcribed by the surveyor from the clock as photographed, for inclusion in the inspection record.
11:53
